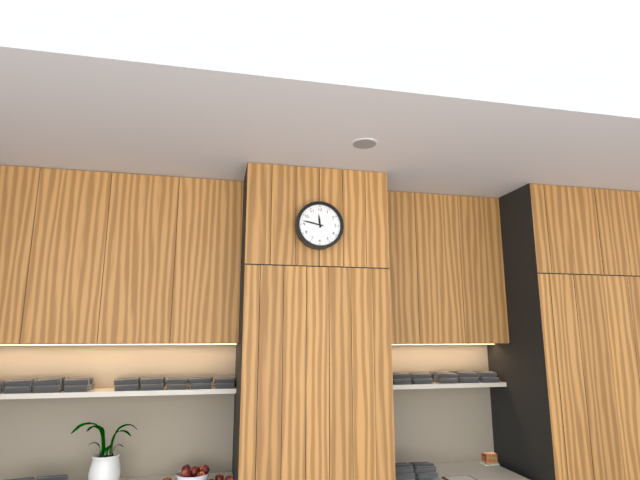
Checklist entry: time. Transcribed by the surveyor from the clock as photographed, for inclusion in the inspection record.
11:47
